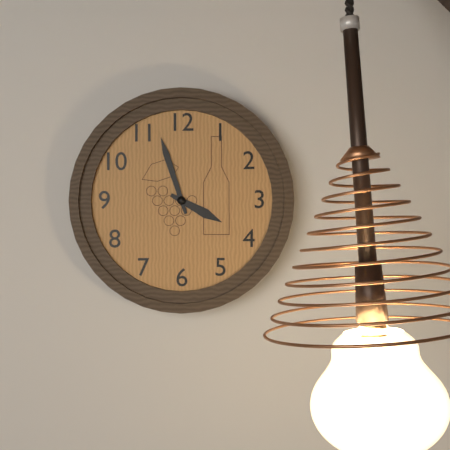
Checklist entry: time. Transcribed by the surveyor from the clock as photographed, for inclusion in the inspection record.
3:57
